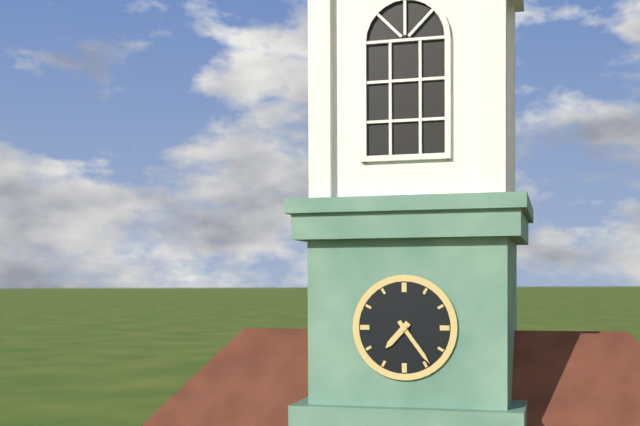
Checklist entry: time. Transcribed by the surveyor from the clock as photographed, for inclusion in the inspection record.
7:24
